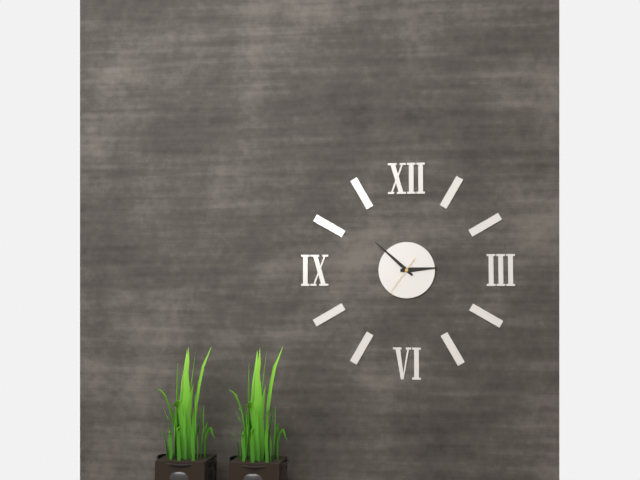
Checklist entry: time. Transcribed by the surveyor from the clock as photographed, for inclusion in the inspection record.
2:52
